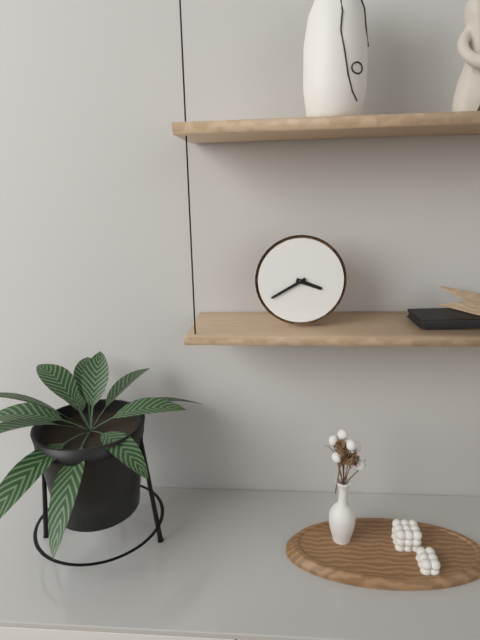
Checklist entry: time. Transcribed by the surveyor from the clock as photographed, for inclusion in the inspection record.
3:40
